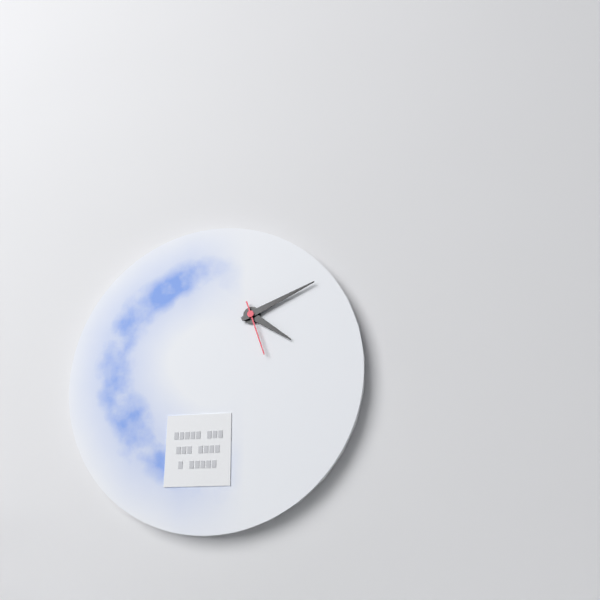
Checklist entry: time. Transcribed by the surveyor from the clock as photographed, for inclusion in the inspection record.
4:11:27
